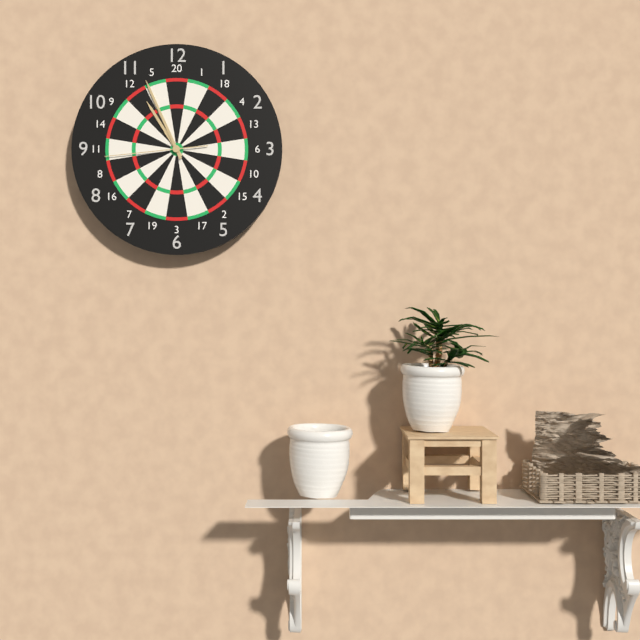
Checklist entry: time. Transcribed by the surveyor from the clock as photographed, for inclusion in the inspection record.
10:56:44
